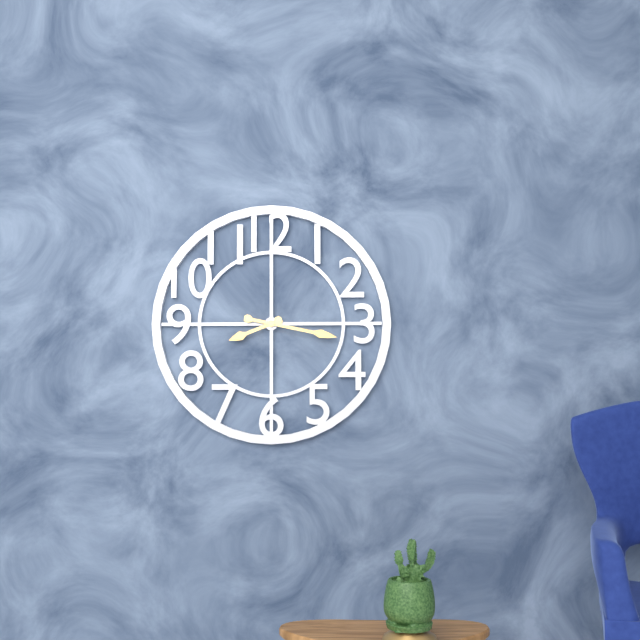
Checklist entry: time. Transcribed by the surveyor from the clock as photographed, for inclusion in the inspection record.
8:17
